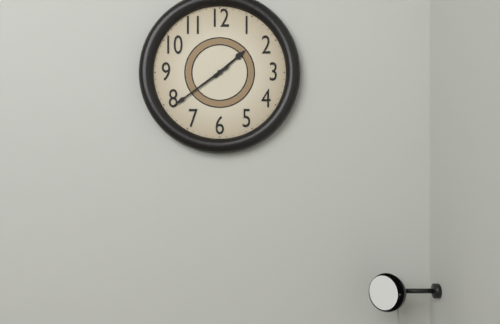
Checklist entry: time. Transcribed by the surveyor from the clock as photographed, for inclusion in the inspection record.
1:39
